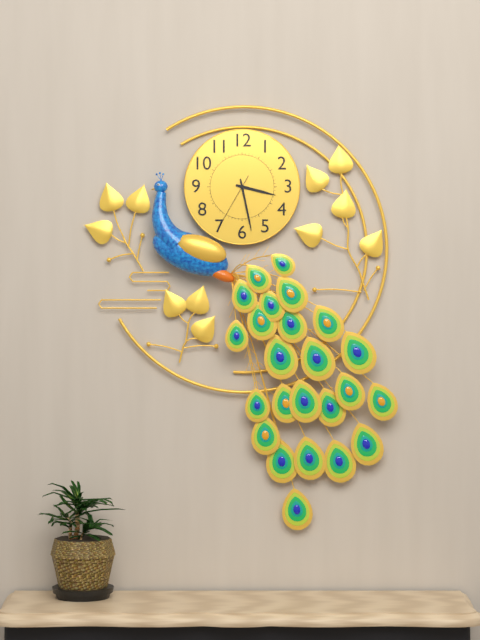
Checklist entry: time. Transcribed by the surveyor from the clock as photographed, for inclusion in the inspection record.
3:28:35
